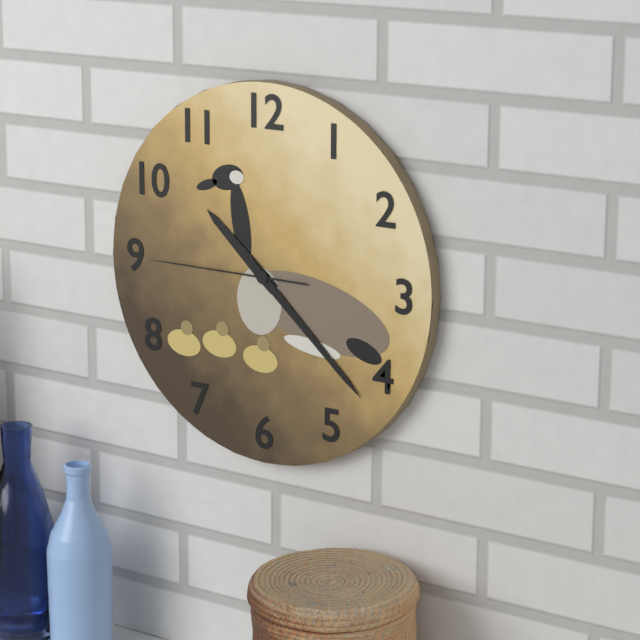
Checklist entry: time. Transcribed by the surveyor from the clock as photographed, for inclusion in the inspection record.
10:22:45
